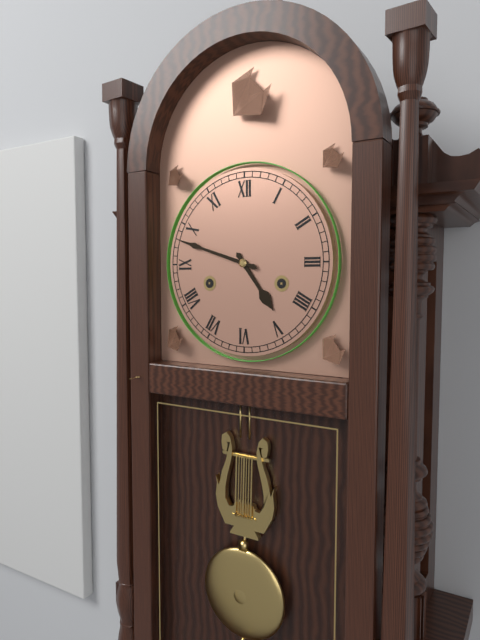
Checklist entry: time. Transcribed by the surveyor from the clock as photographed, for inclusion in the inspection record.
4:48
